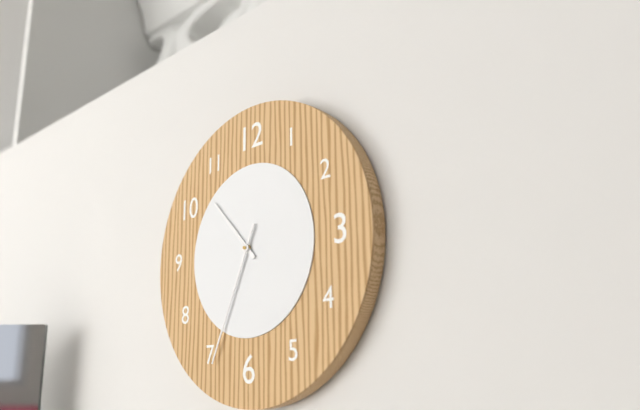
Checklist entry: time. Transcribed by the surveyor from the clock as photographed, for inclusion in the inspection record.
10:34
